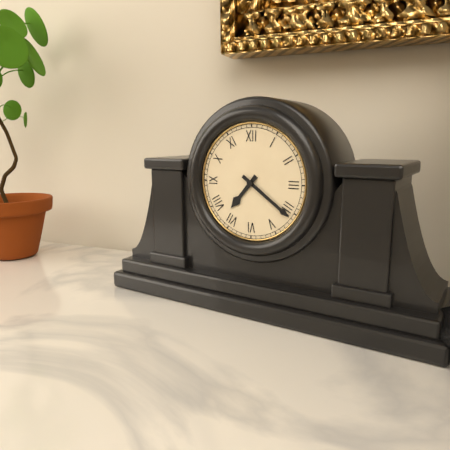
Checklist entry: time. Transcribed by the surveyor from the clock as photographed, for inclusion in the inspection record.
7:21
